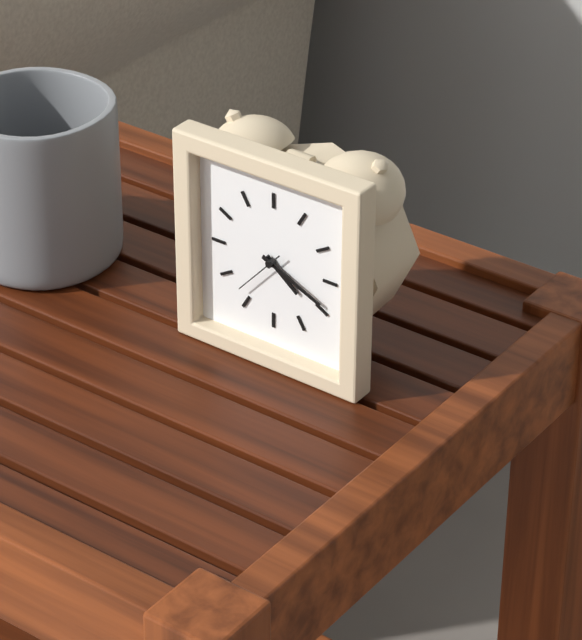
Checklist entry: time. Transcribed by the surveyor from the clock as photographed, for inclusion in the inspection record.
4:19
